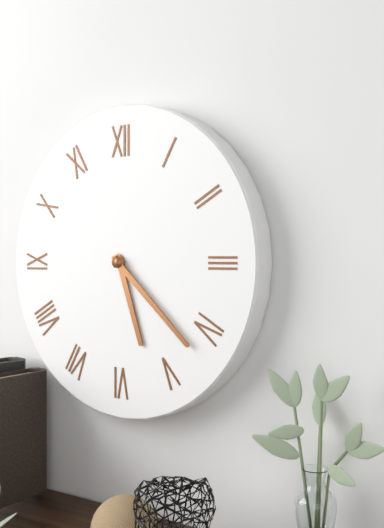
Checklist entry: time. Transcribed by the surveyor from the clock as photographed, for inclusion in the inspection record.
5:22
